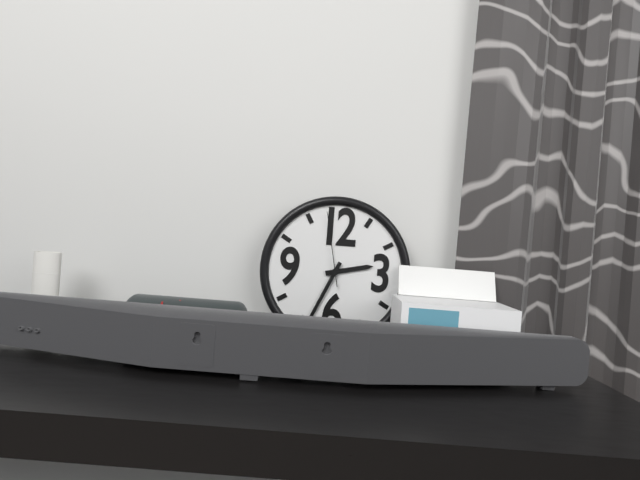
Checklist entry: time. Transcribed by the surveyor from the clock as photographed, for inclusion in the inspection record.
2:34:58
